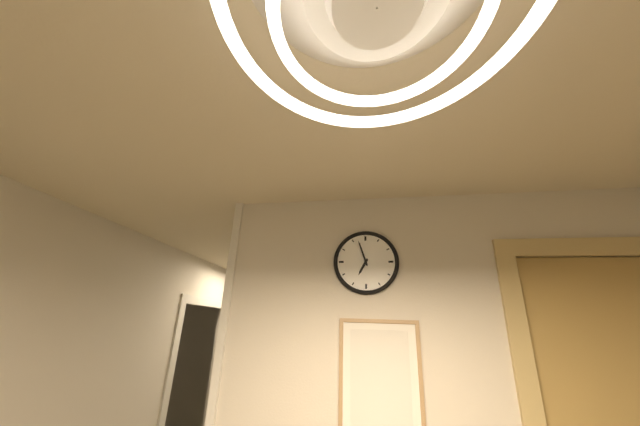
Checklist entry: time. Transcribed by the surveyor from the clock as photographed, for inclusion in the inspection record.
6:57
